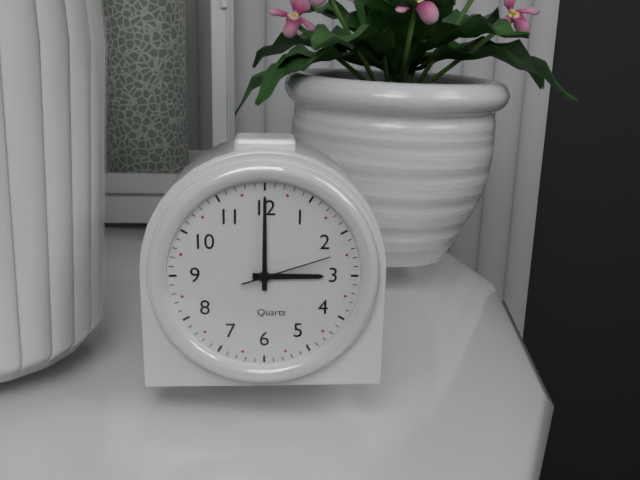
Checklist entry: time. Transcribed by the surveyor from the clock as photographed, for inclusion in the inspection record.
3:00:12
